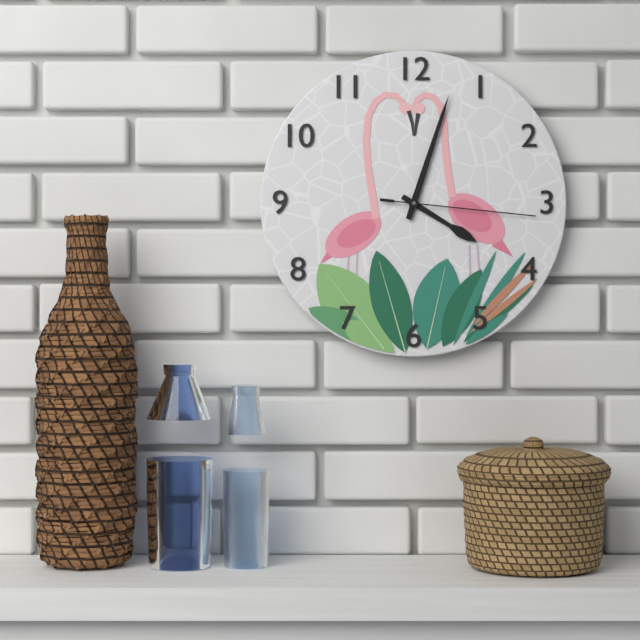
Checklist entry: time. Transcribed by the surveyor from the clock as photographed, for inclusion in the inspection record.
4:03:16
